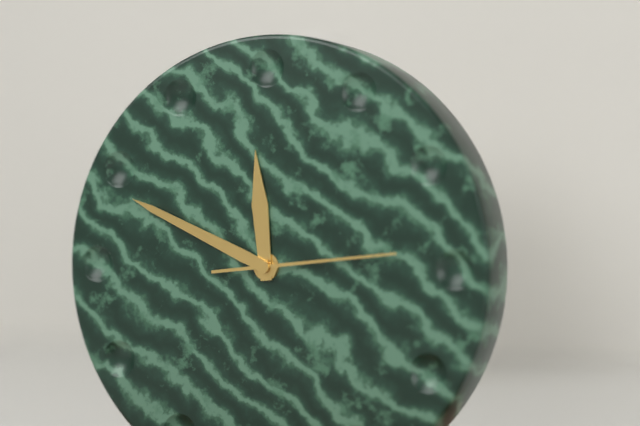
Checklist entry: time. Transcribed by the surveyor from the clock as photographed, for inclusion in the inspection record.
11:49:14
